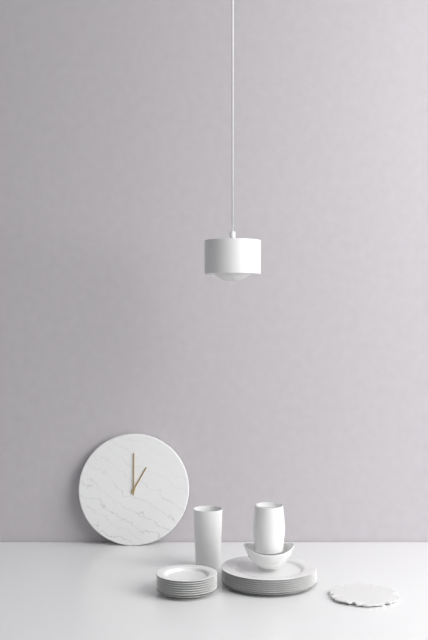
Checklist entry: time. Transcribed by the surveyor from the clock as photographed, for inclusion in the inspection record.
1:00
